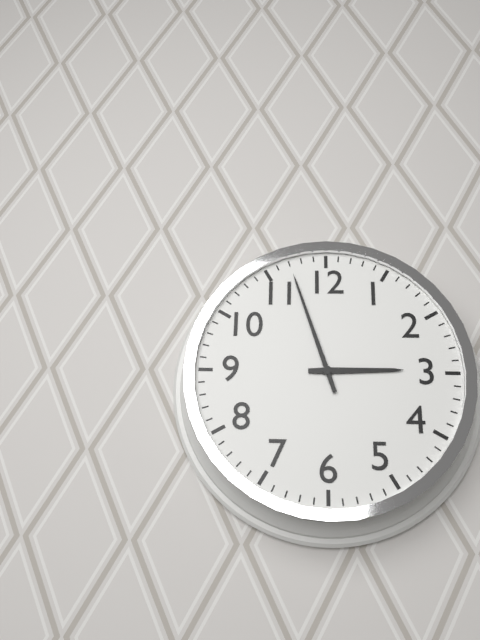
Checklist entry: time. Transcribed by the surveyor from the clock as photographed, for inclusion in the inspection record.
2:57
